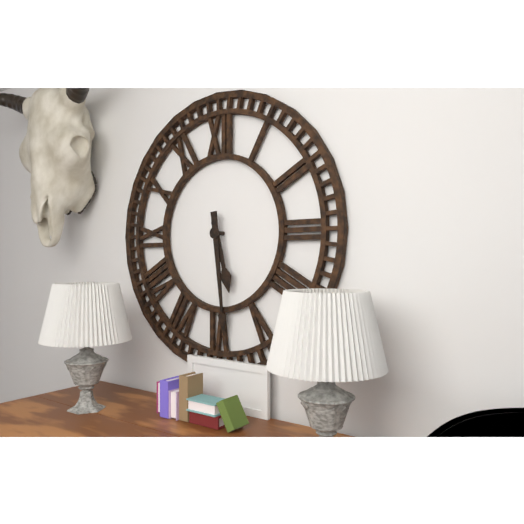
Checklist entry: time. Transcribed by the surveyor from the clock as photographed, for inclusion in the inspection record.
5:29
